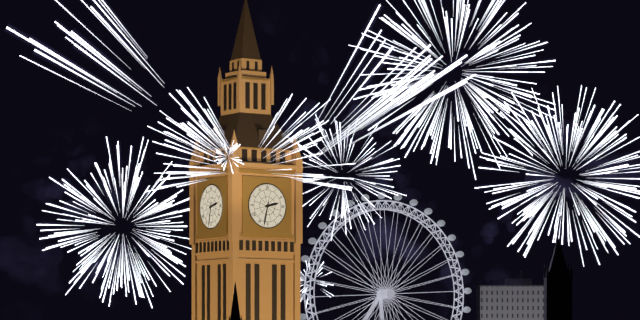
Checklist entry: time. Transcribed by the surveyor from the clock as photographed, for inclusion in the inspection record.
2:32
